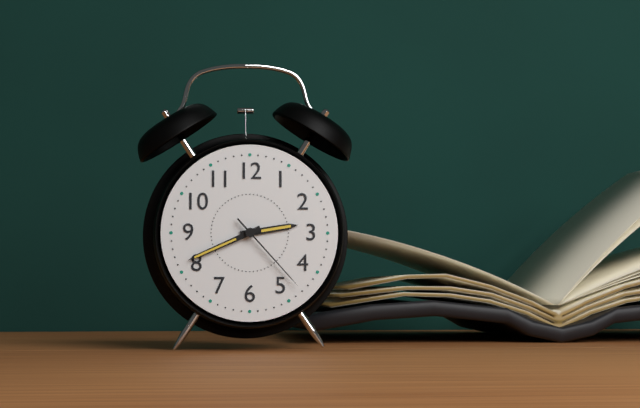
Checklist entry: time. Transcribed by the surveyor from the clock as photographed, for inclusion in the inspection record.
2:41:23
